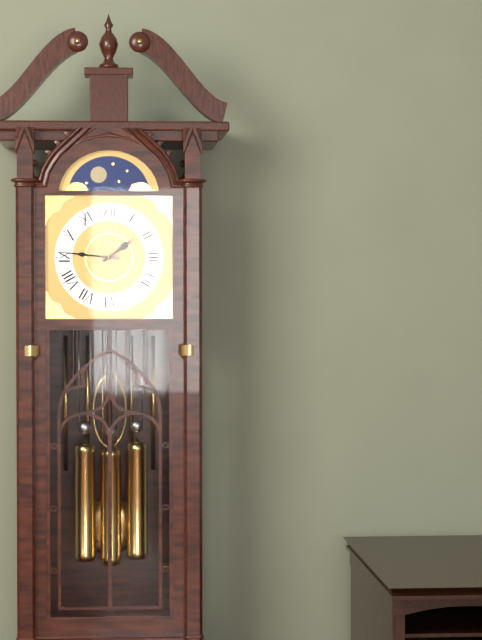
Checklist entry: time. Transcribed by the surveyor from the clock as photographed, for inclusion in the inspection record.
1:46
